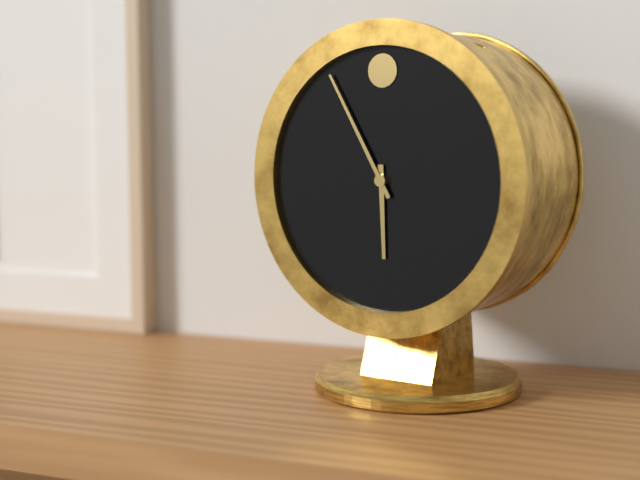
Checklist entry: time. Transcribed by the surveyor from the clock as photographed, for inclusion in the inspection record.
5:55
